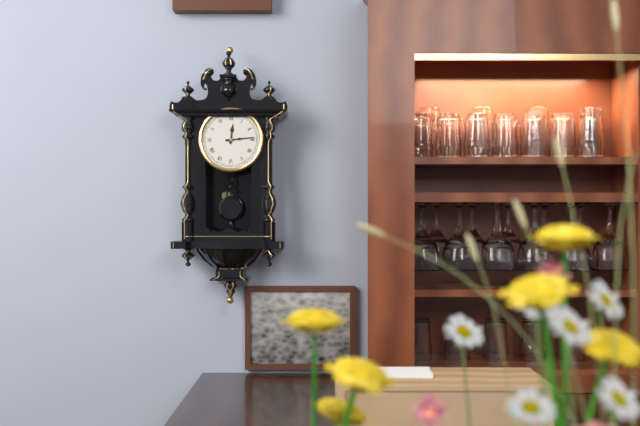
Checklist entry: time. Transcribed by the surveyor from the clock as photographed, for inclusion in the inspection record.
12:14
